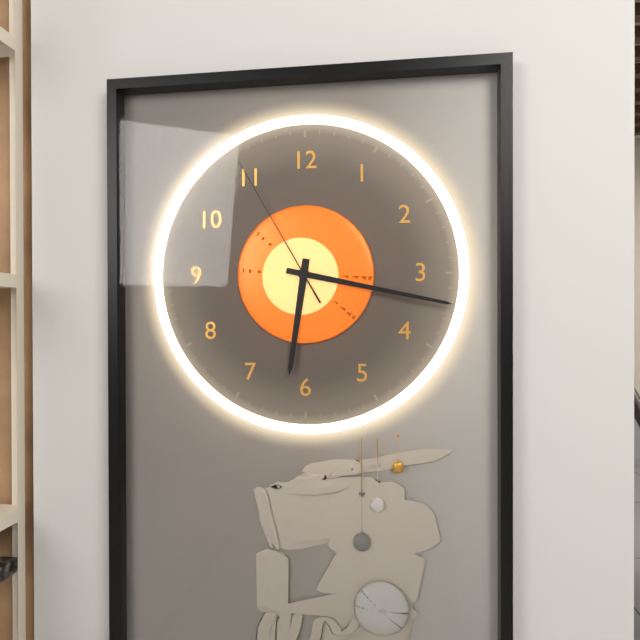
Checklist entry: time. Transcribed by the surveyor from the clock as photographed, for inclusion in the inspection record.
6:17:55
